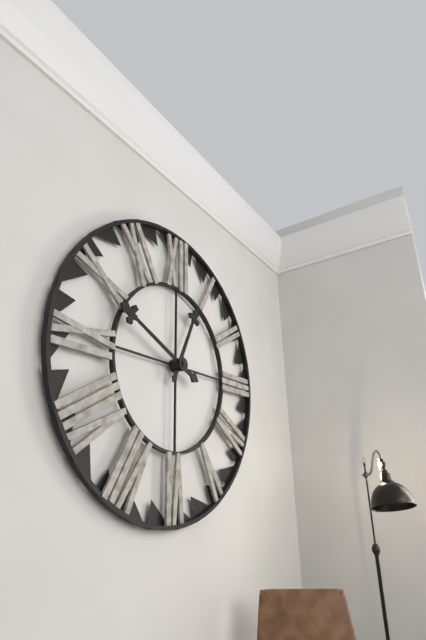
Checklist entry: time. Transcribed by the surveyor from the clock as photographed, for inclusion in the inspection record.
12:49
